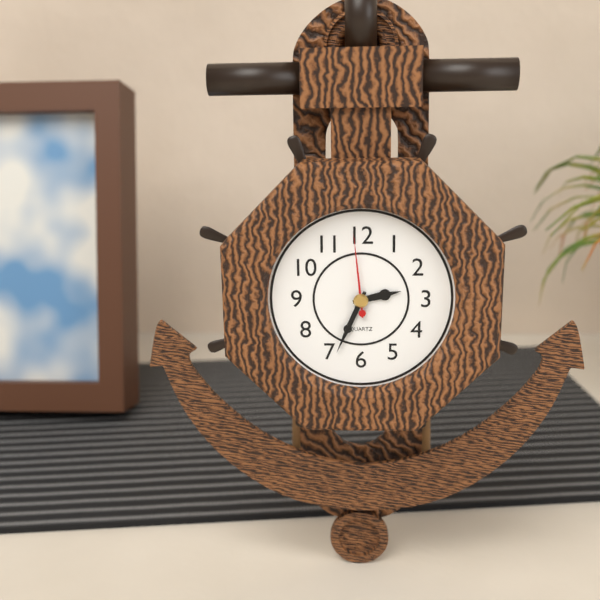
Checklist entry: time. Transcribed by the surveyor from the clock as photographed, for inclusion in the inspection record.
2:34:59
